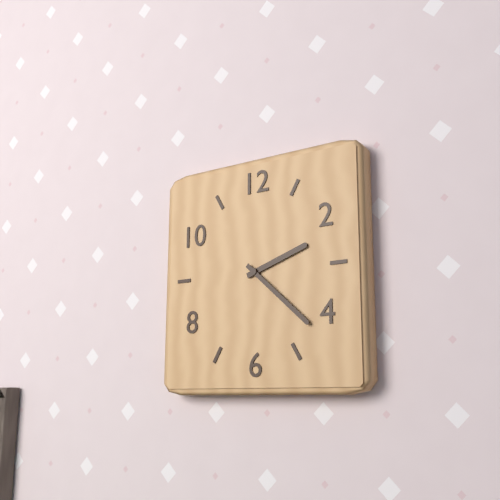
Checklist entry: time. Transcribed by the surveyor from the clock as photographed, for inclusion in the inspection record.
2:22
